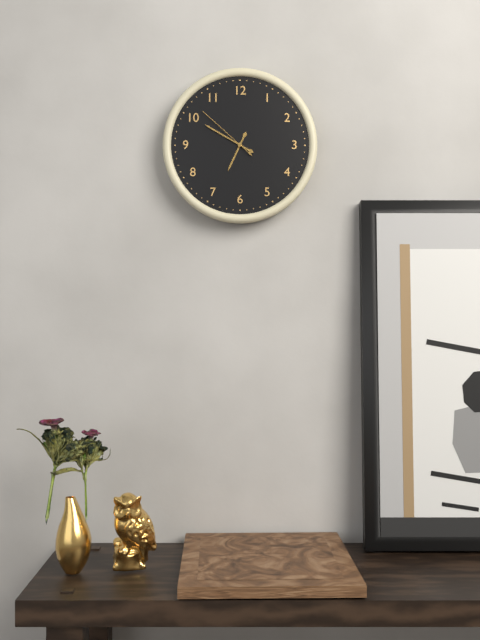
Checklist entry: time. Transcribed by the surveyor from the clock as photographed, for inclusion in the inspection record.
6:50:52
